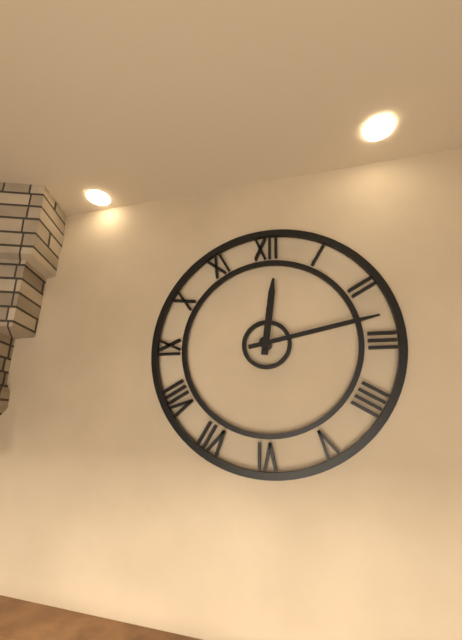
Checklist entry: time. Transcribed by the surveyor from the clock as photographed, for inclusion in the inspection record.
12:13
